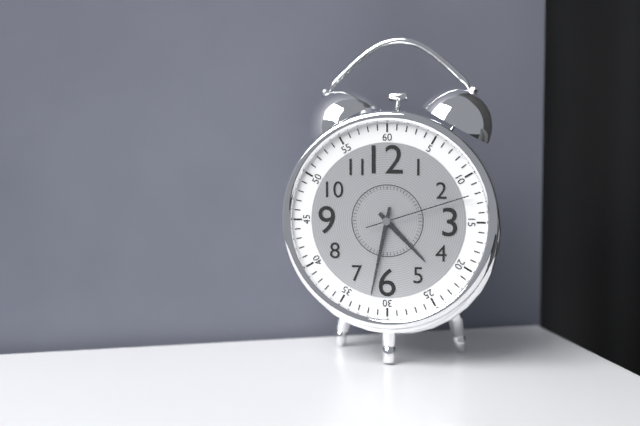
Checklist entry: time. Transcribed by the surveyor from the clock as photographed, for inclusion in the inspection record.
4:32:12
